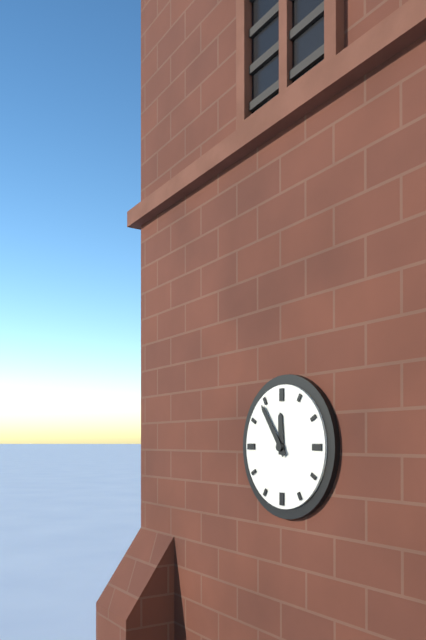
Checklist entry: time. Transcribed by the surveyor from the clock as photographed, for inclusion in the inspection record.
11:54
